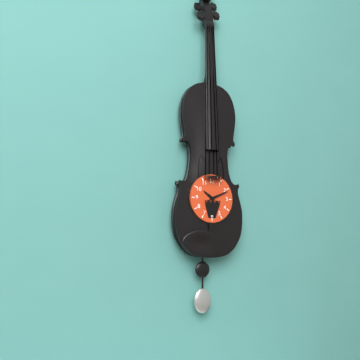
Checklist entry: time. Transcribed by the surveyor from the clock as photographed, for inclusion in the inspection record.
10:11
